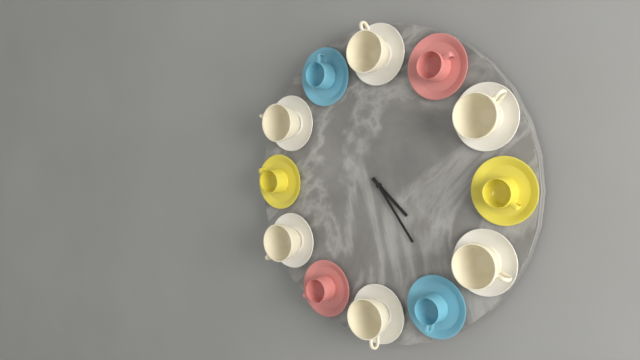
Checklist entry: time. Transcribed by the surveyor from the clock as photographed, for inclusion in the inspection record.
4:24
